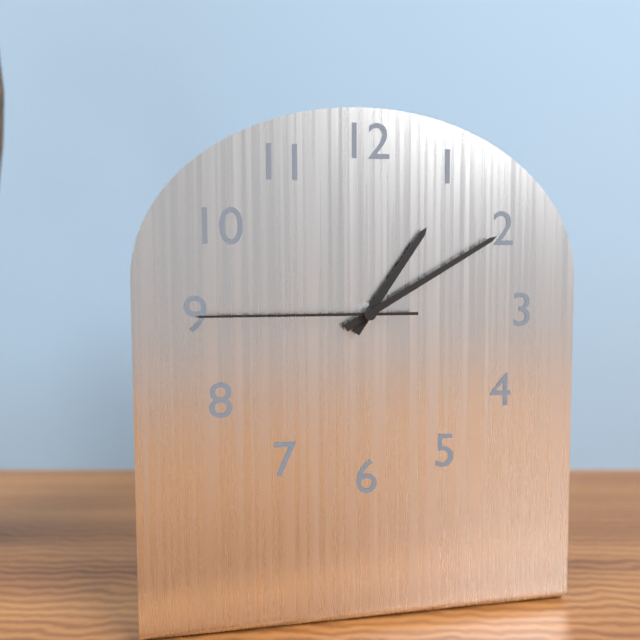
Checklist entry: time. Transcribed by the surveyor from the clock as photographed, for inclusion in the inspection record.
1:10:45
